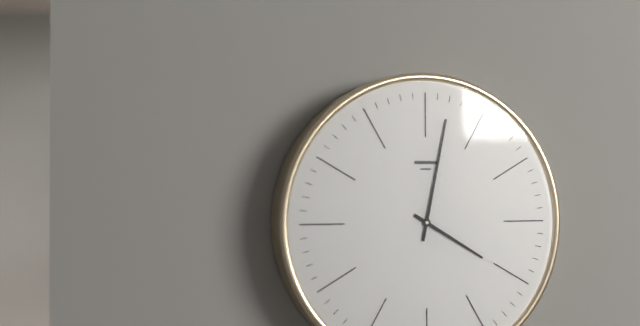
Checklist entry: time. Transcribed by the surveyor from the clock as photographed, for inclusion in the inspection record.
4:02
